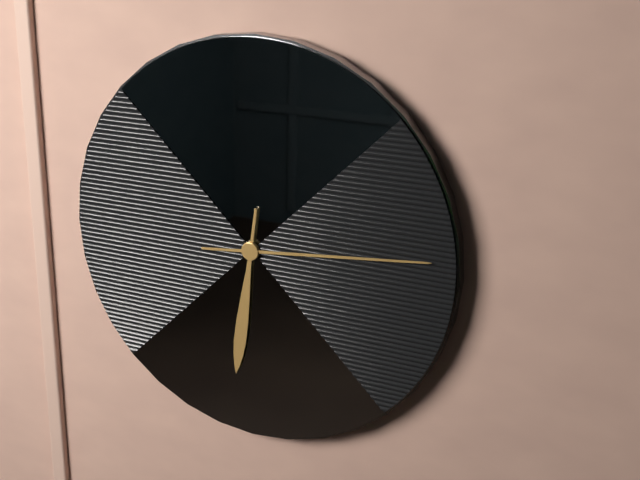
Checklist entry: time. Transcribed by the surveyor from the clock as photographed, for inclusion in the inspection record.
6:14
